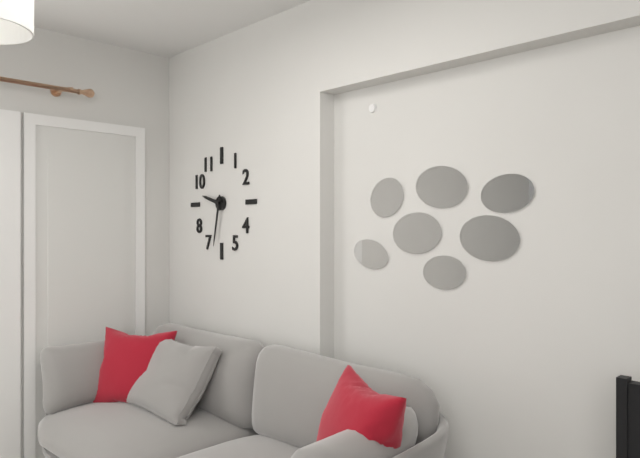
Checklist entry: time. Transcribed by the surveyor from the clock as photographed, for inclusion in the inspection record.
9:32
